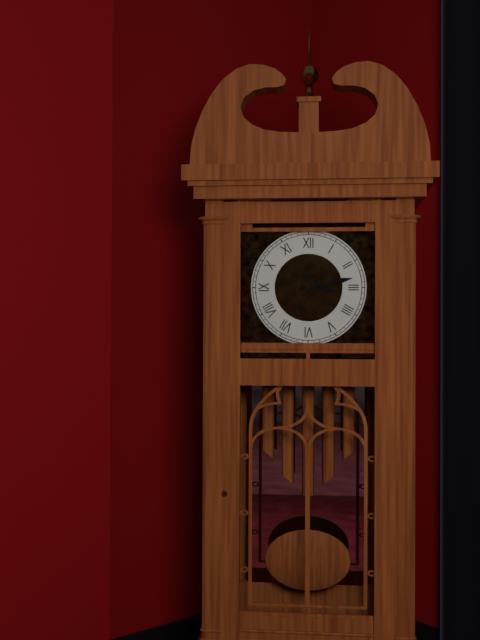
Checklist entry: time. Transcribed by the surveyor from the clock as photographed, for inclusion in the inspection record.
3:13
